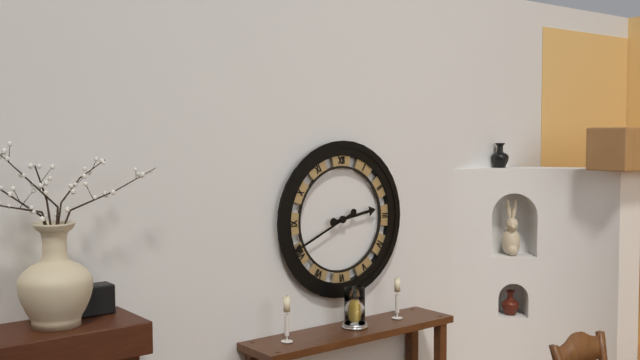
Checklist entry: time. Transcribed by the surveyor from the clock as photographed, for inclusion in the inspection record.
2:41
